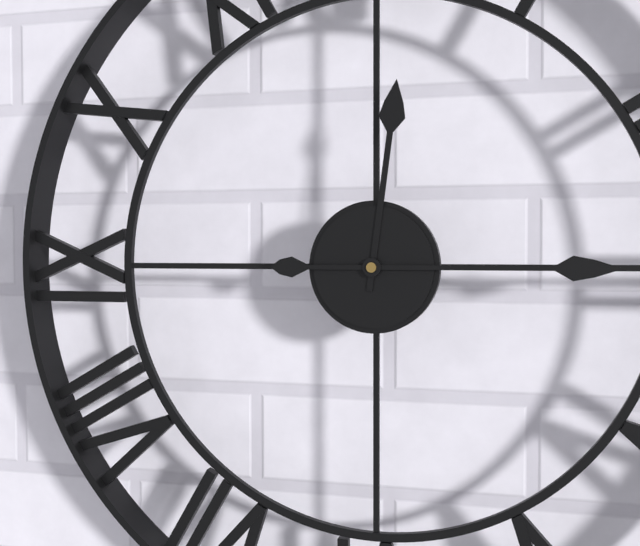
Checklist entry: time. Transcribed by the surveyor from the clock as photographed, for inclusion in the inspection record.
12:15
